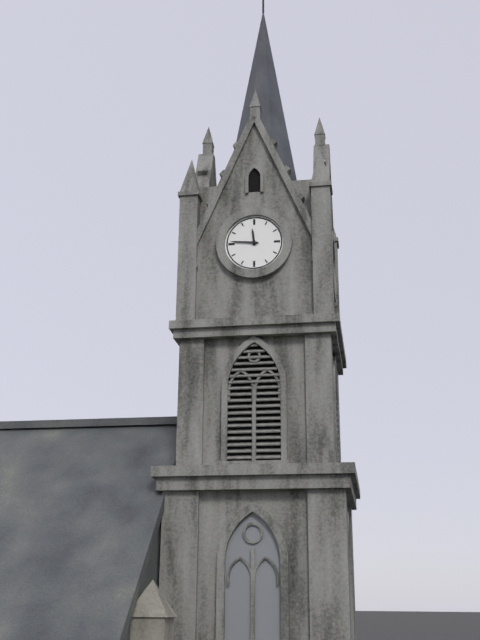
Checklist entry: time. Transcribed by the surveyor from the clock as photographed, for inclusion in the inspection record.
11:46
